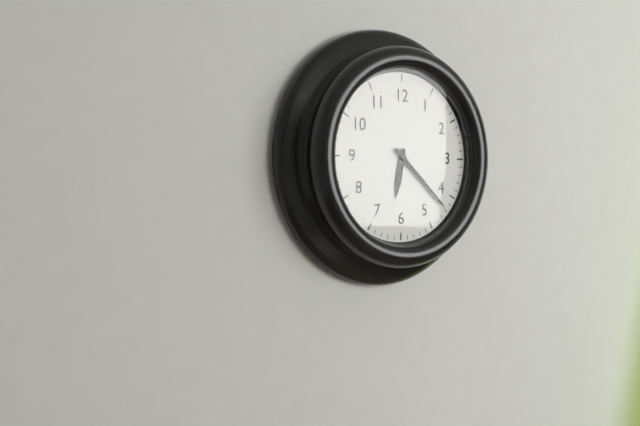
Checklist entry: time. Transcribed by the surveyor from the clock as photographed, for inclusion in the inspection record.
6:22
